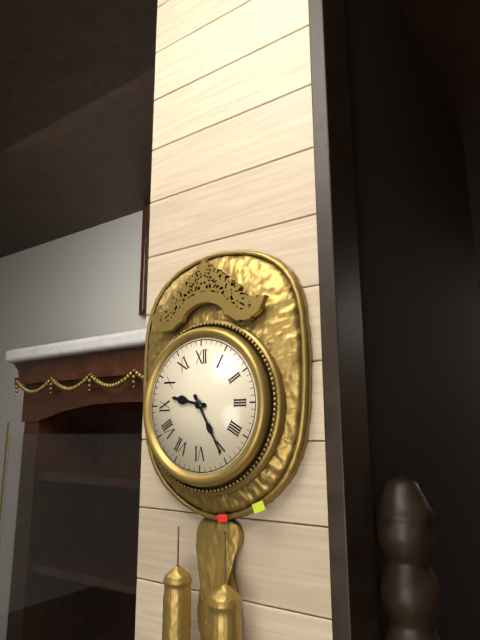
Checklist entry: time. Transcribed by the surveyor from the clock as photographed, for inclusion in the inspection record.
9:25
